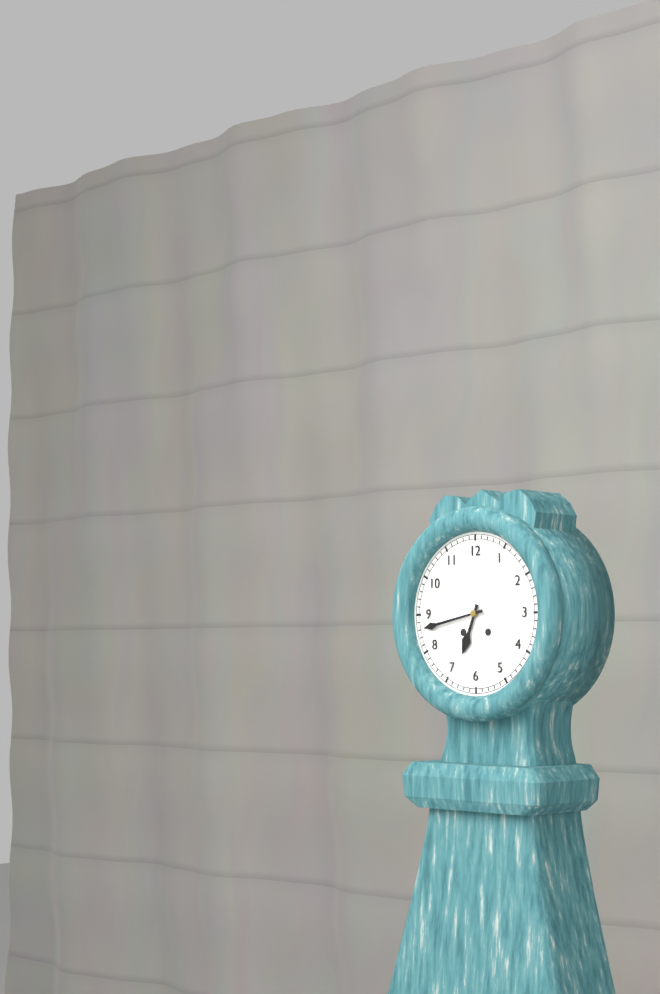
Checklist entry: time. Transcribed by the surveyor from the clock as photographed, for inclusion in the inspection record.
6:43
